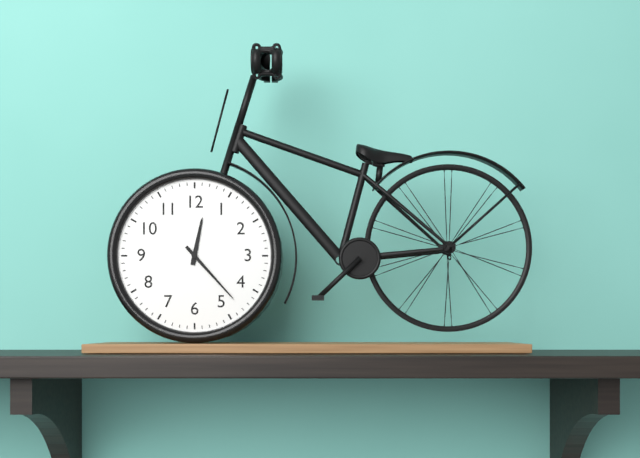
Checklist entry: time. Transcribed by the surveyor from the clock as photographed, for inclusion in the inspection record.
12:23
